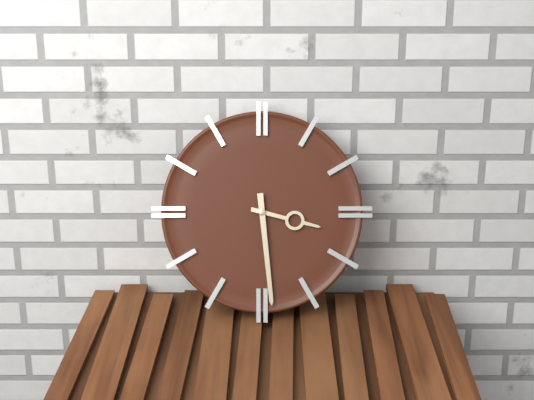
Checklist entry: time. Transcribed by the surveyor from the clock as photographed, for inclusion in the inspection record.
3:29
